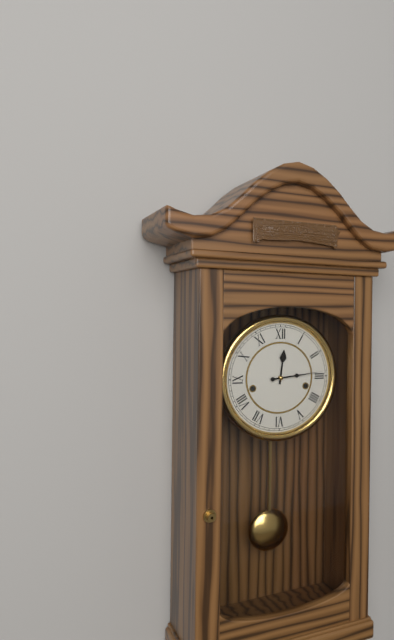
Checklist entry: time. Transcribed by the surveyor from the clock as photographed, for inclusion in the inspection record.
12:14
